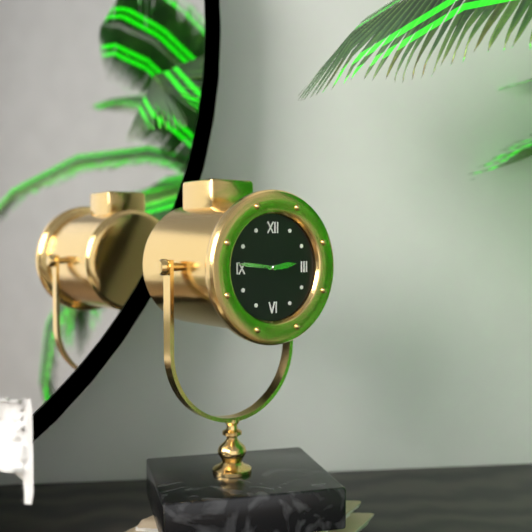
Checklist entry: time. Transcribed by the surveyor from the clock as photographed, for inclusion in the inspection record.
2:46
